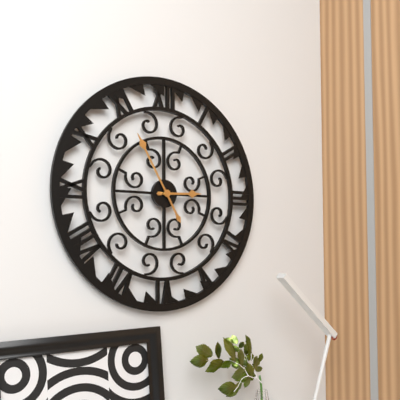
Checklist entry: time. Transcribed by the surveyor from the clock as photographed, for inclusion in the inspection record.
2:55
